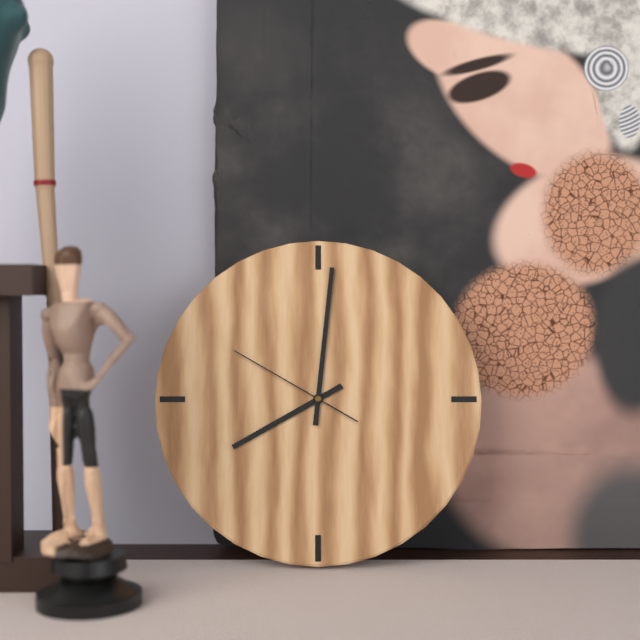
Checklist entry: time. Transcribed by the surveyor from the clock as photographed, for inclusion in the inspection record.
8:01:50
